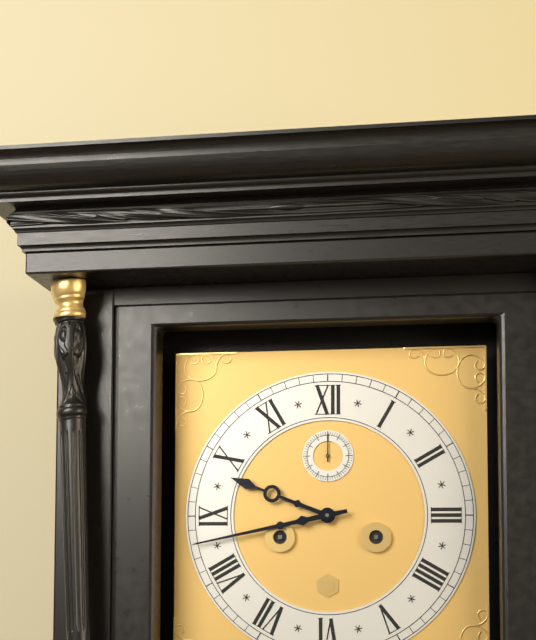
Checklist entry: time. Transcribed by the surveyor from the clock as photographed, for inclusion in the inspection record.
9:43
